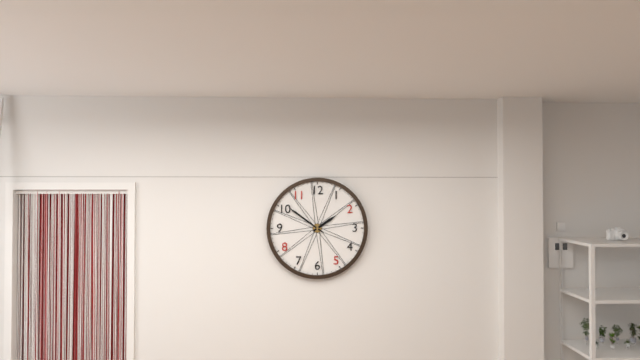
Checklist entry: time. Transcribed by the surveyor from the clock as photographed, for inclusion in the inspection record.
1:51
